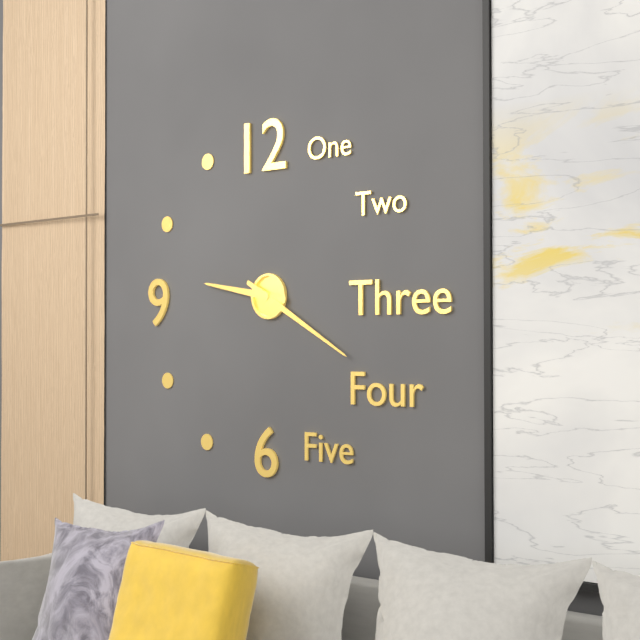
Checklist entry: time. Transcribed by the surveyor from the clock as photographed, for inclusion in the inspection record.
9:20
